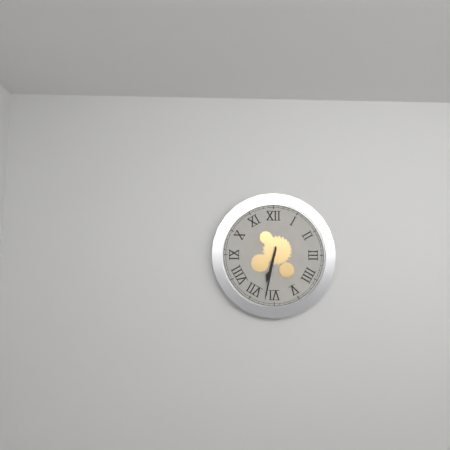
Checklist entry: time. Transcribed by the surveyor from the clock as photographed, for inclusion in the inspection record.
6:32
